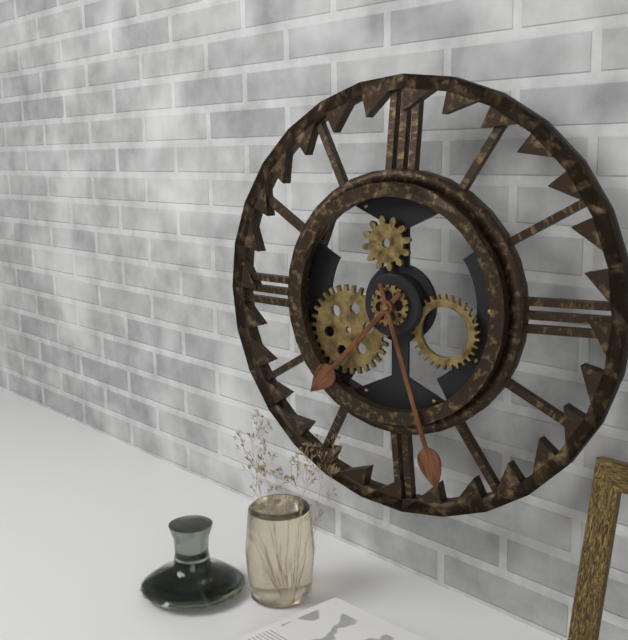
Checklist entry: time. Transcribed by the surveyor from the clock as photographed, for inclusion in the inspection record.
7:27
